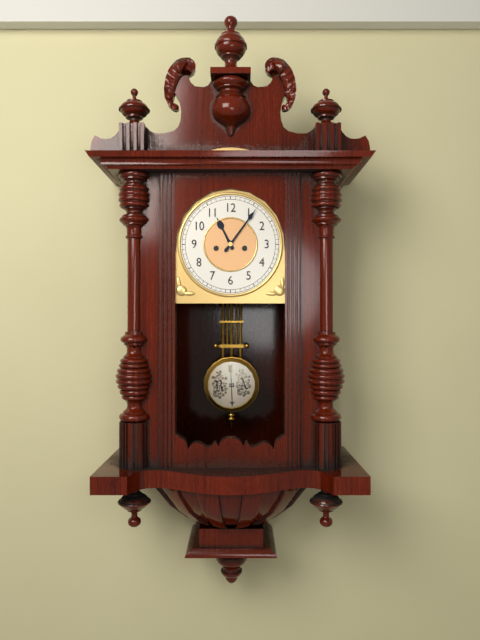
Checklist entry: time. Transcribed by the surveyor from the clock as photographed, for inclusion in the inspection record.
11:06
